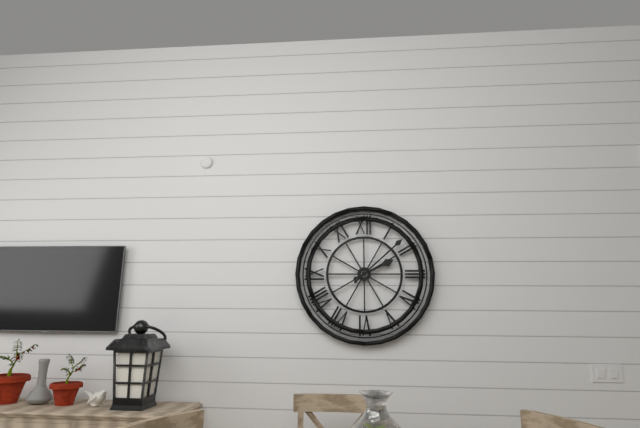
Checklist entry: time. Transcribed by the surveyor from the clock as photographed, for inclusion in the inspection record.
2:08
